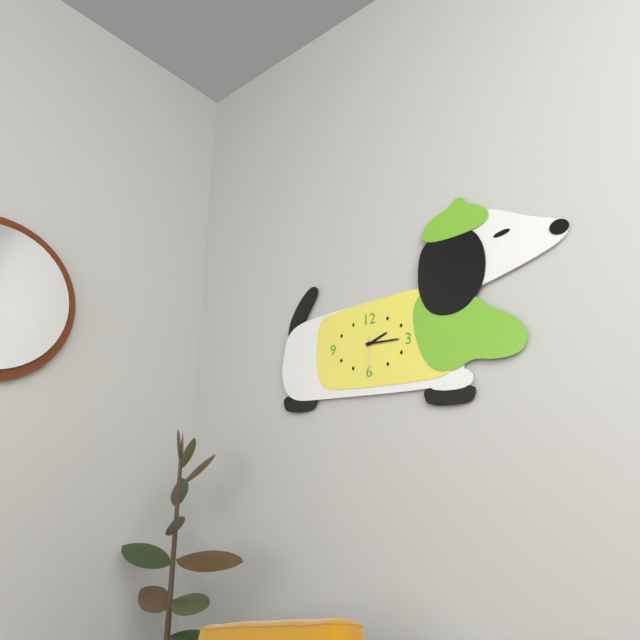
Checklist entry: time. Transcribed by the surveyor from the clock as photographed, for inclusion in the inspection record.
2:15
